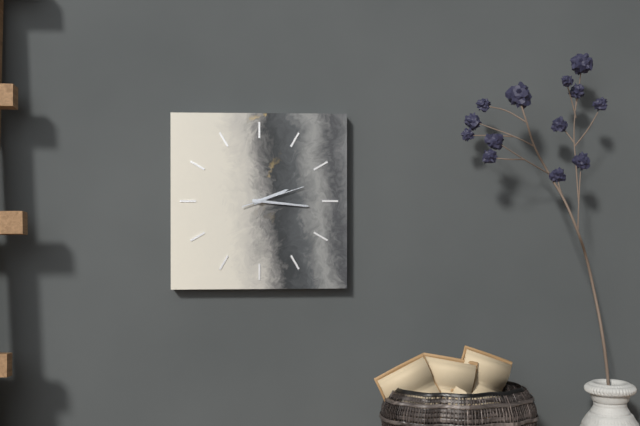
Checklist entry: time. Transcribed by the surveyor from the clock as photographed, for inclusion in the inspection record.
2:16:12
